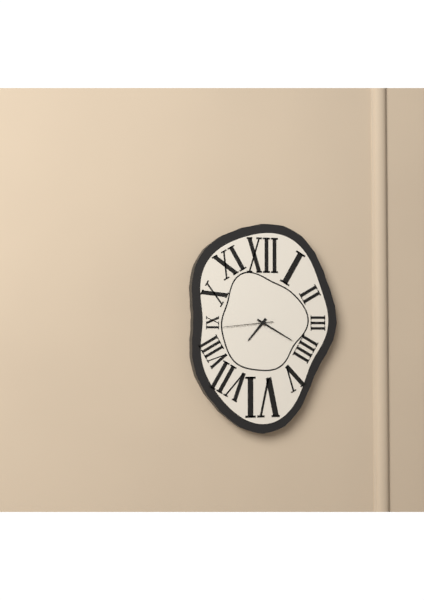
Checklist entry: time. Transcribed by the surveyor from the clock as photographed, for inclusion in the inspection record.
7:20
